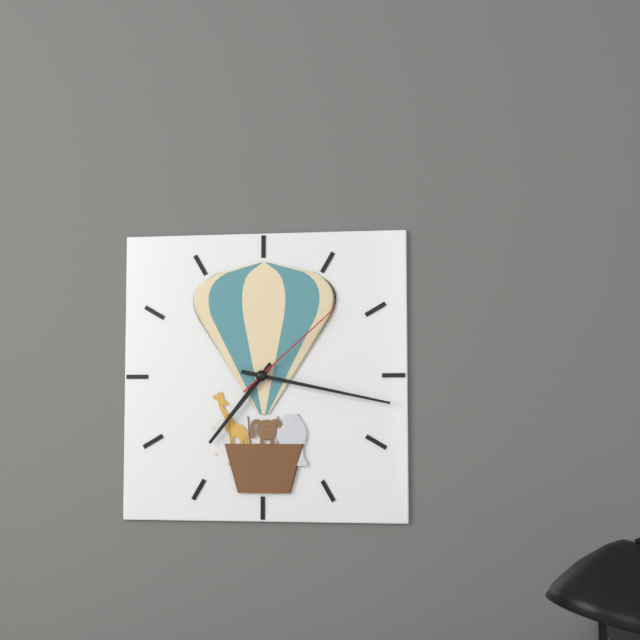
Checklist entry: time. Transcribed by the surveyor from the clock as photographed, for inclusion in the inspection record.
7:17:08
